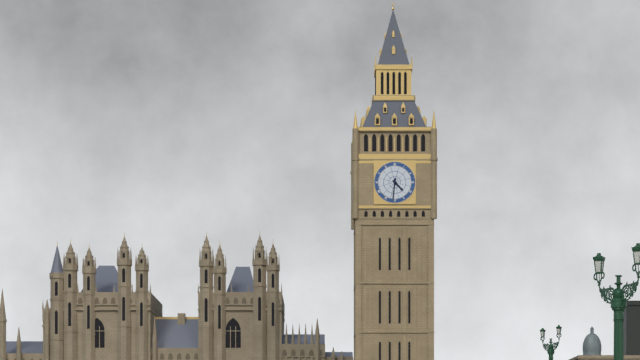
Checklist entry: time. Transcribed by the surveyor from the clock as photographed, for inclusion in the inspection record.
4:31
